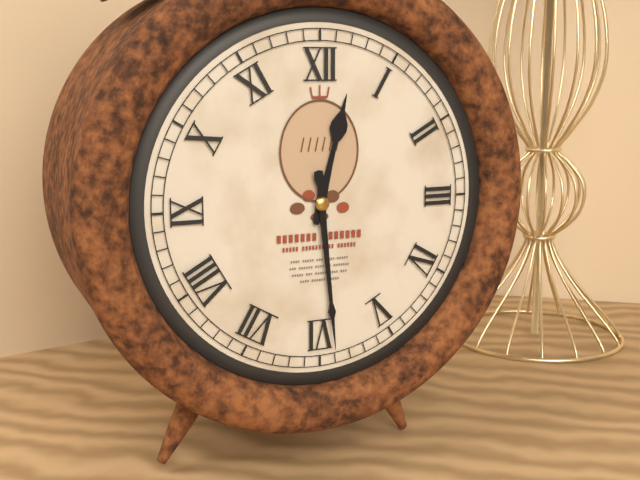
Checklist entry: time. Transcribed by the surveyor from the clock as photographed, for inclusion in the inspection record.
12:29
